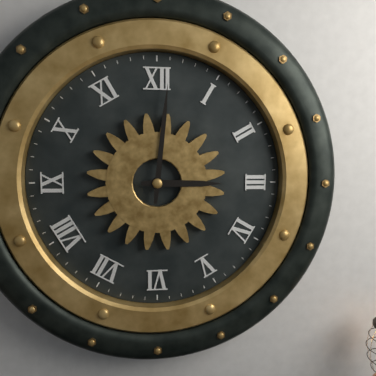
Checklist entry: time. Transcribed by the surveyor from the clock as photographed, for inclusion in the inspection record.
3:01
